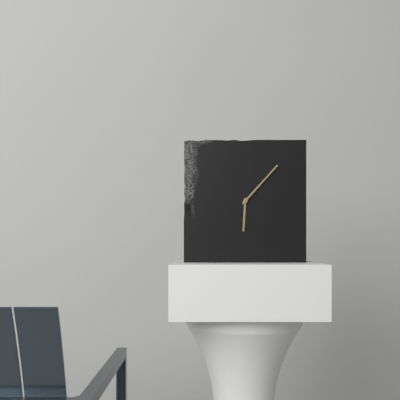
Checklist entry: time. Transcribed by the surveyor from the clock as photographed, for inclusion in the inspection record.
6:07
